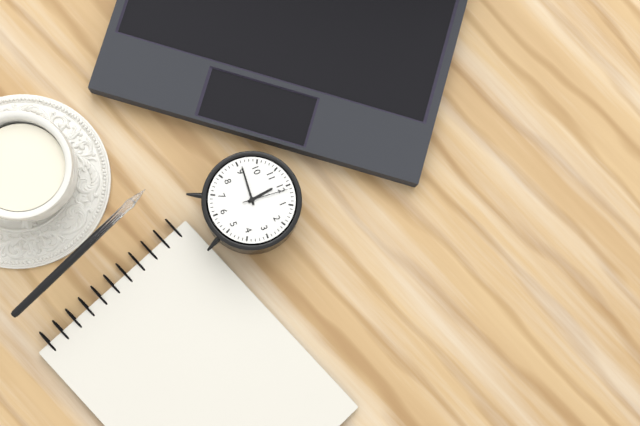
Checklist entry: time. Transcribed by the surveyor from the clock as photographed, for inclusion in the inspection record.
11:46
